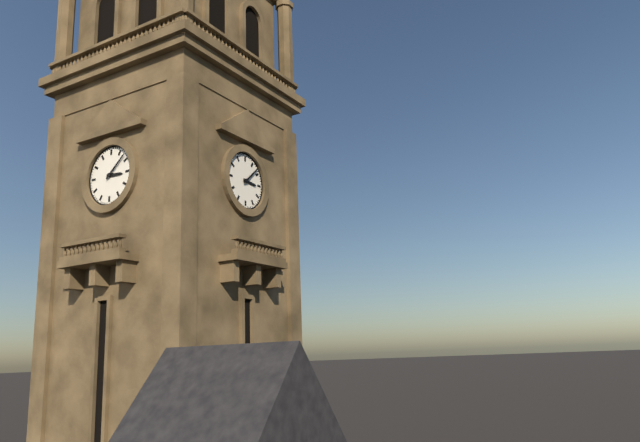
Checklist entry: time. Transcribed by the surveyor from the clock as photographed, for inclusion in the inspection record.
3:08
